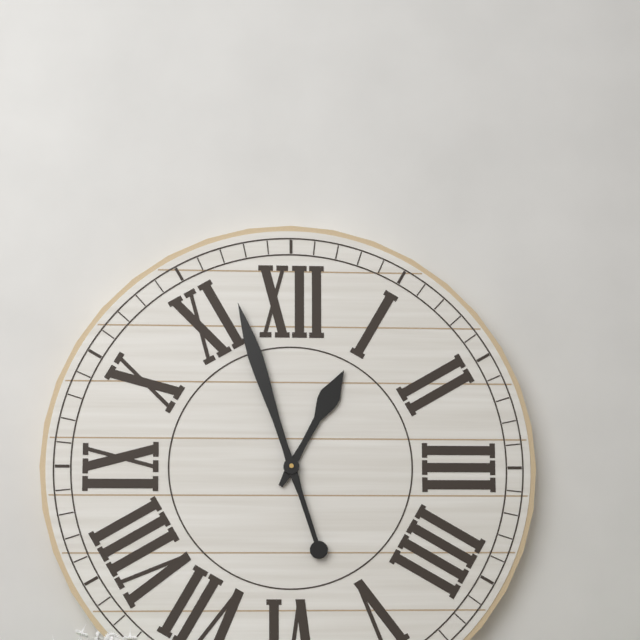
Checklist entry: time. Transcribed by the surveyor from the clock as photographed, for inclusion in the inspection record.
12:57
